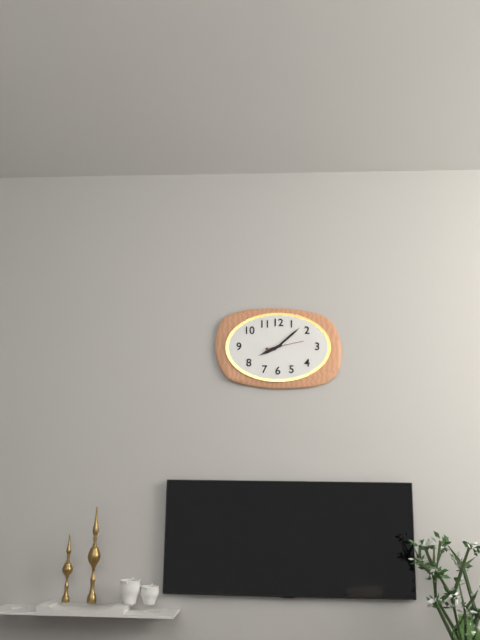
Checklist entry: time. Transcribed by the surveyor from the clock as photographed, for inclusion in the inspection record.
8:08
